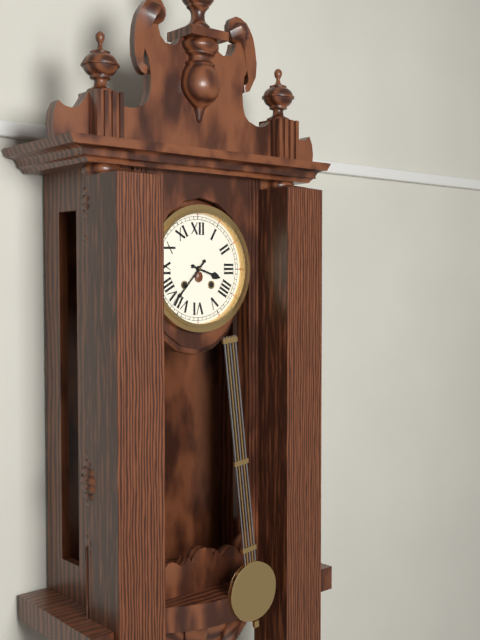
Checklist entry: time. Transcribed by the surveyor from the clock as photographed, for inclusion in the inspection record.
3:37
